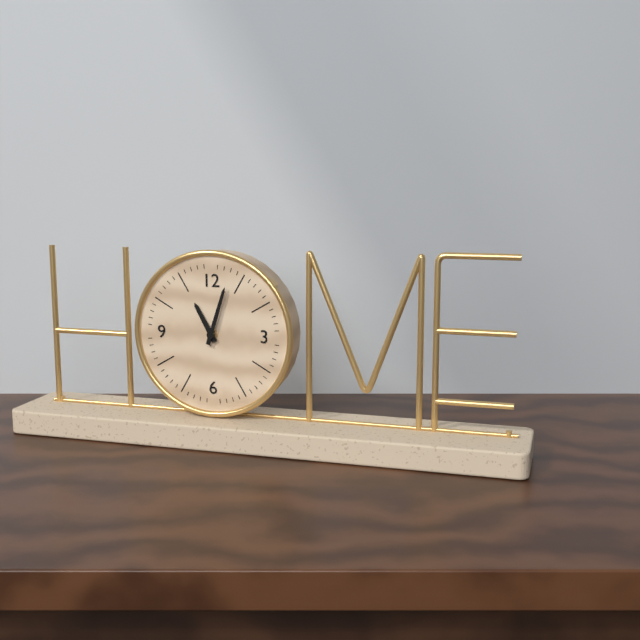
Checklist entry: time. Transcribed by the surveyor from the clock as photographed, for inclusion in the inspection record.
11:03
